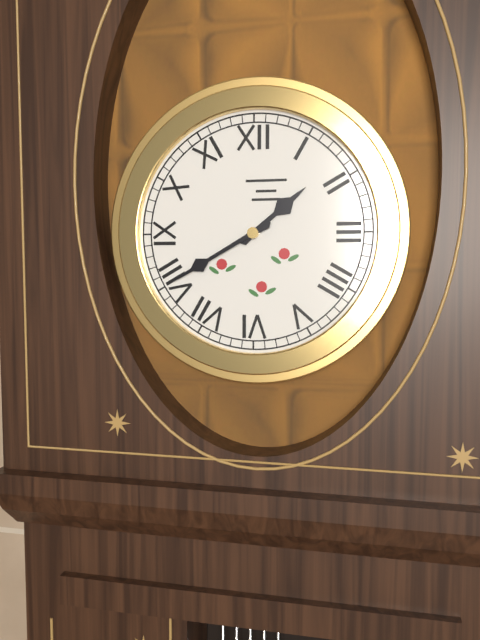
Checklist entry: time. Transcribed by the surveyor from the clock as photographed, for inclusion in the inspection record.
1:40
